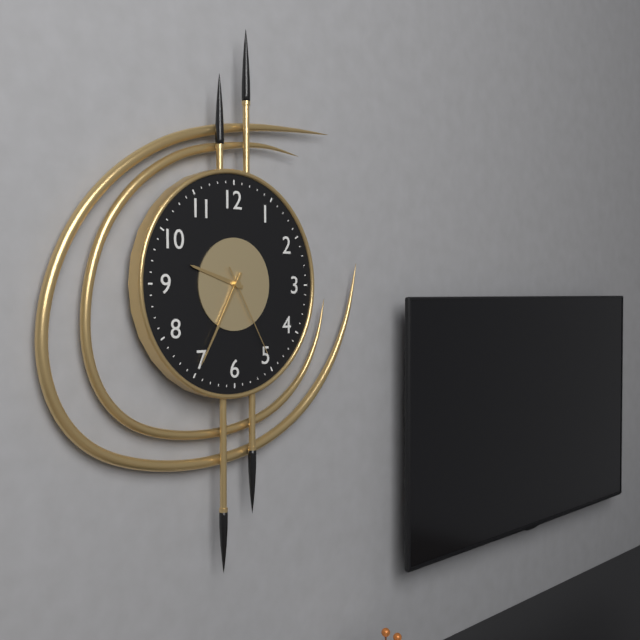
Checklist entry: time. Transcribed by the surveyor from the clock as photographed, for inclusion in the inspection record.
9:35:25
